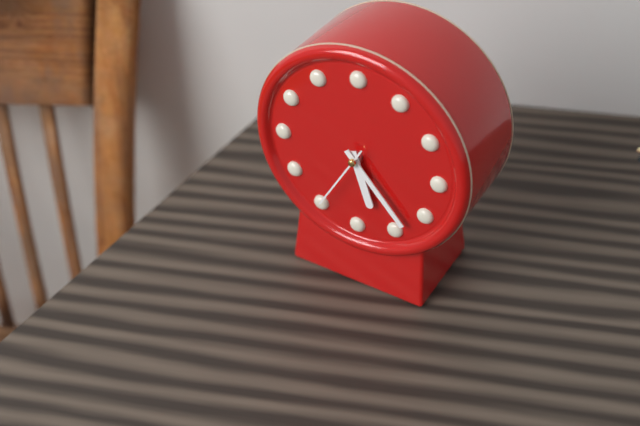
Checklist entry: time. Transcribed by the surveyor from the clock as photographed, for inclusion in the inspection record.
5:23:35
